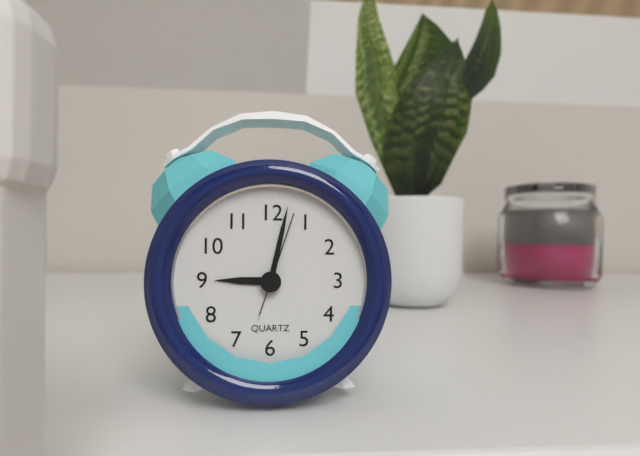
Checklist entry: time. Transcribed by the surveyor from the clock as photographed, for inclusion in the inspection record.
9:02:03
